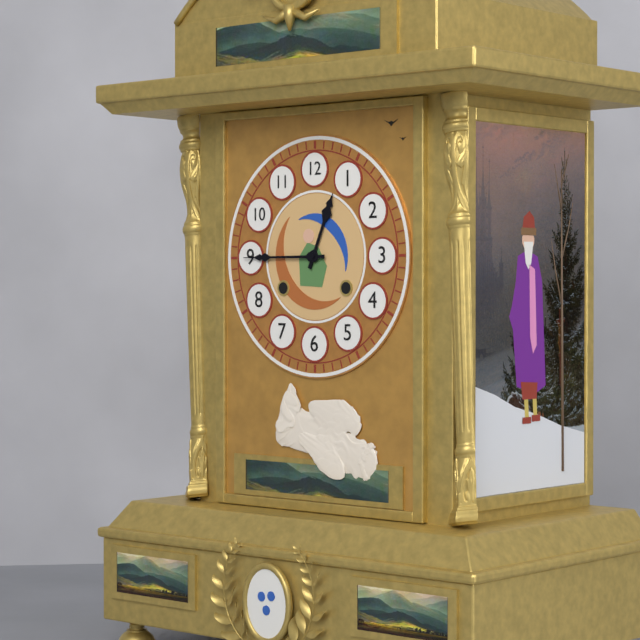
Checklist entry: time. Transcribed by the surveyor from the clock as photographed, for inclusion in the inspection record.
12:45
